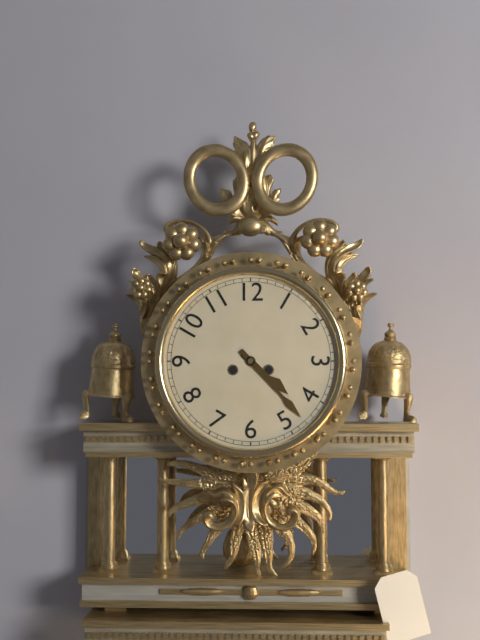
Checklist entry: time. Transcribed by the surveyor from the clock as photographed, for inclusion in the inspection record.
4:23
